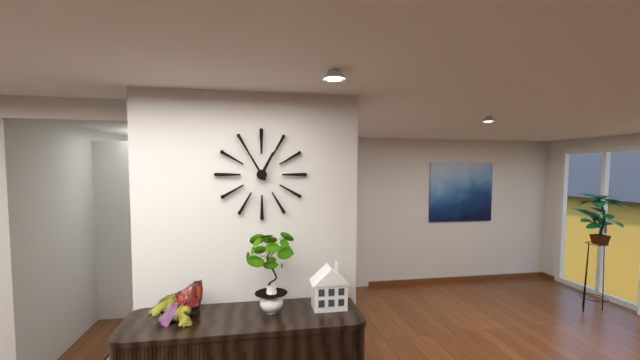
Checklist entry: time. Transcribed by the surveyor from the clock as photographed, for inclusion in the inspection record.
12:55
